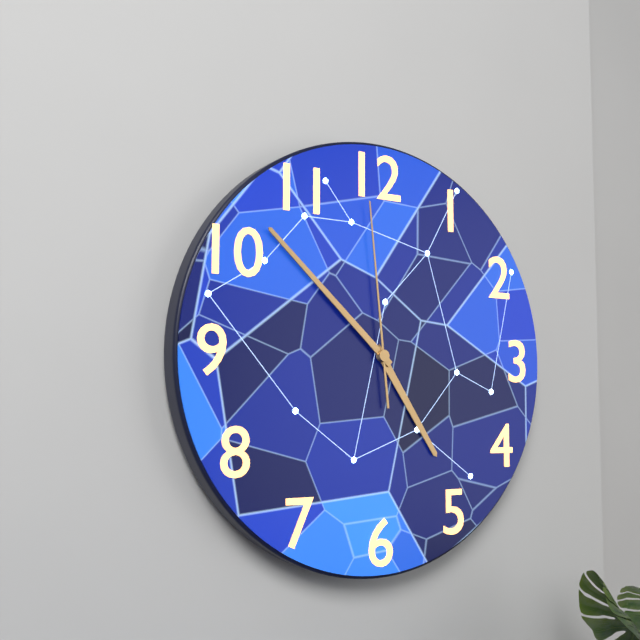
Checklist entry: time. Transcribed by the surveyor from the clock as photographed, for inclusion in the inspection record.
4:52:59
